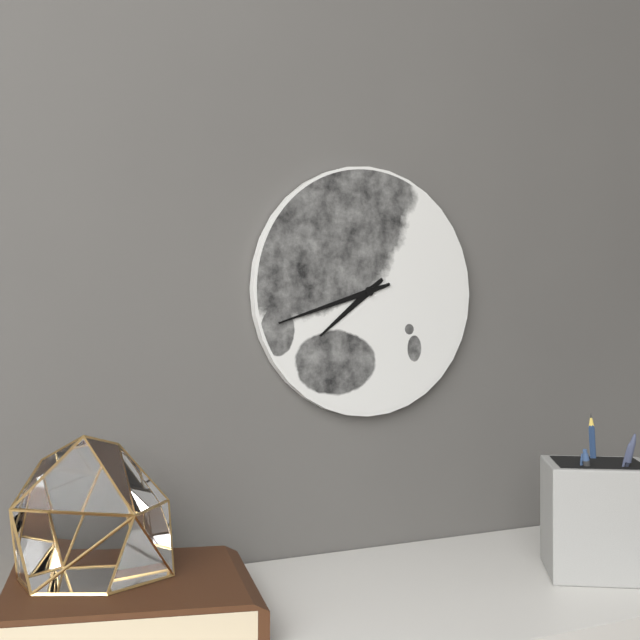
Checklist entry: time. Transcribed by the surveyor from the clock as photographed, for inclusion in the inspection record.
7:42
